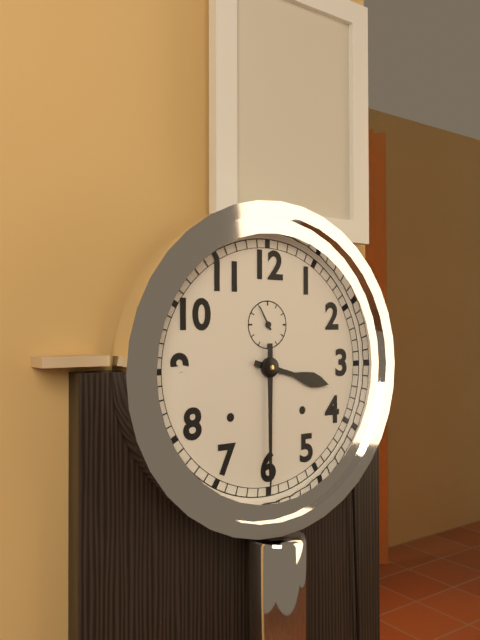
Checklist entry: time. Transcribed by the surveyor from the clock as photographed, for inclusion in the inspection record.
3:30
